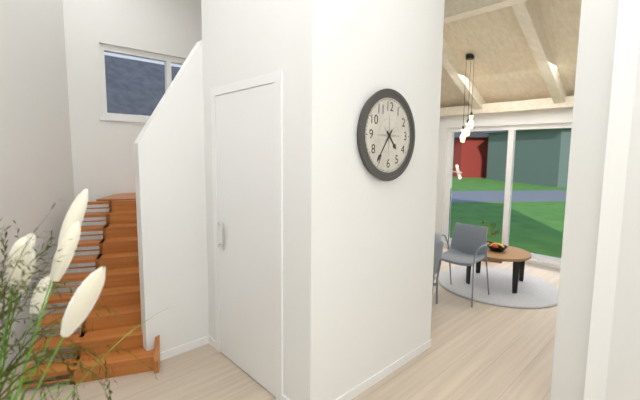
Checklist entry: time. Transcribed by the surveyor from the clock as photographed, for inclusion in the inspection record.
4:36
